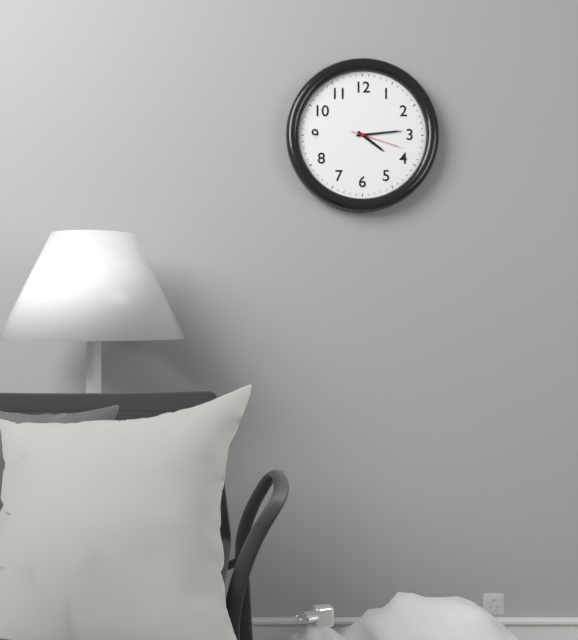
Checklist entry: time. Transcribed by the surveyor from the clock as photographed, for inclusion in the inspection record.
4:14:18
